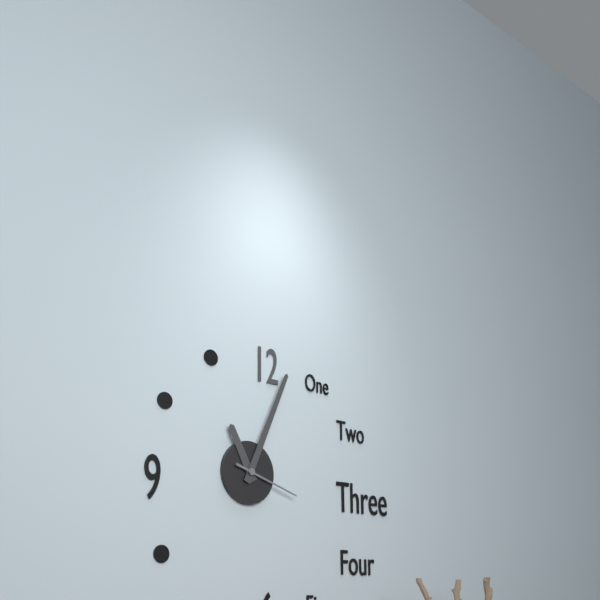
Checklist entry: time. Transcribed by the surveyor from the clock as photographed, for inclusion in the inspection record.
11:04:18
